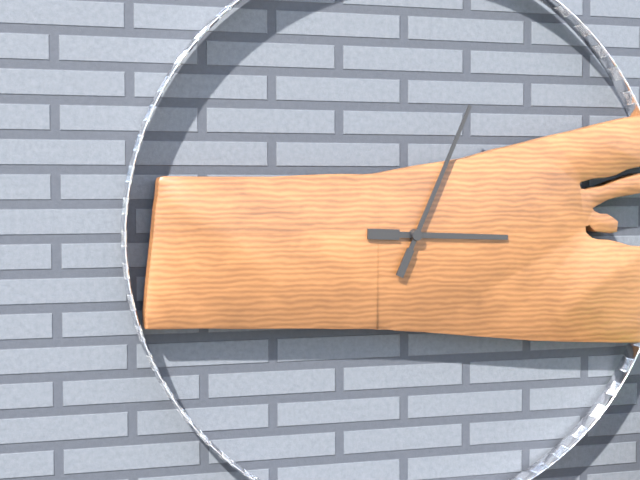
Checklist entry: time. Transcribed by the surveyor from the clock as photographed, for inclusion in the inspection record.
3:04
